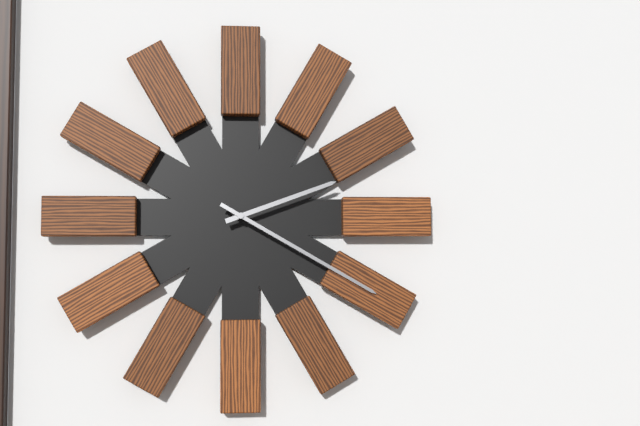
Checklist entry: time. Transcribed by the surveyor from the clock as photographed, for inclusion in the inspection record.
2:20
